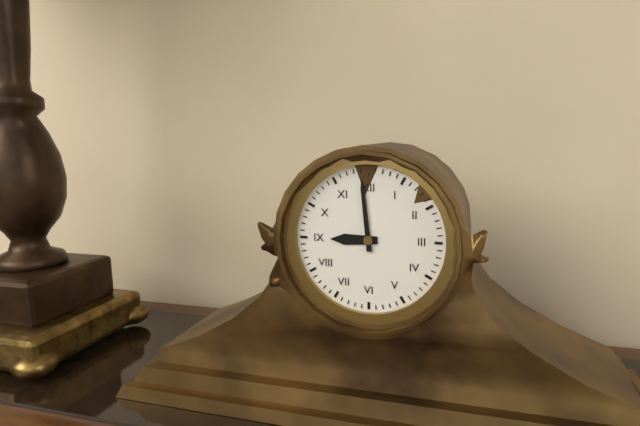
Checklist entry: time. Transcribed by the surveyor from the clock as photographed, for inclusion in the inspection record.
8:59
